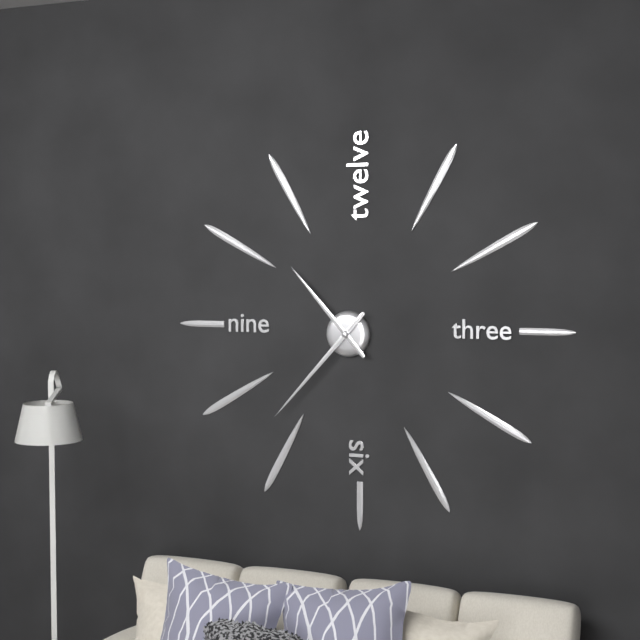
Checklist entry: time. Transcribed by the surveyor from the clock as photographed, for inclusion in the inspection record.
10:37
